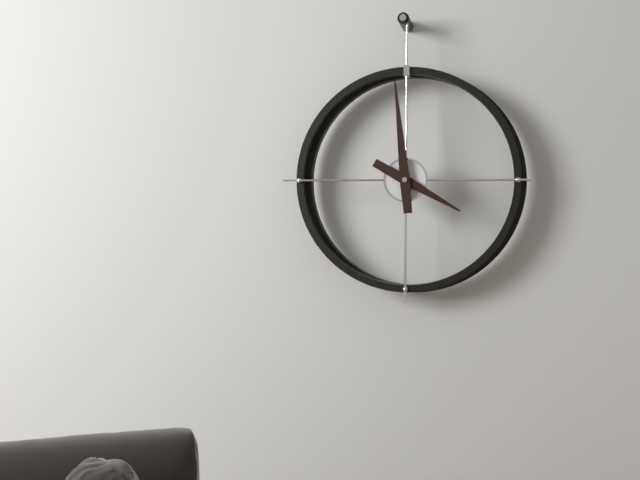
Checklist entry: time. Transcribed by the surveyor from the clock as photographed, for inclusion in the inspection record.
3:59
